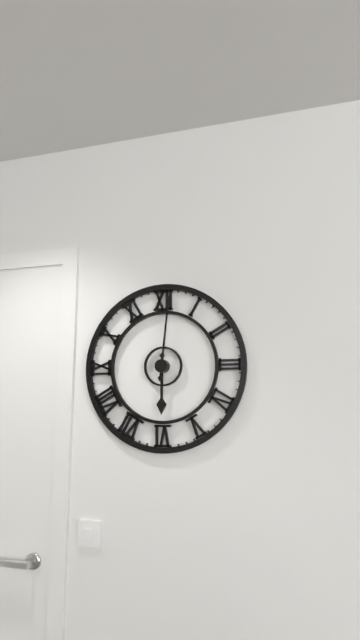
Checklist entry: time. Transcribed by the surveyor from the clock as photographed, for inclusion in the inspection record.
6:01
